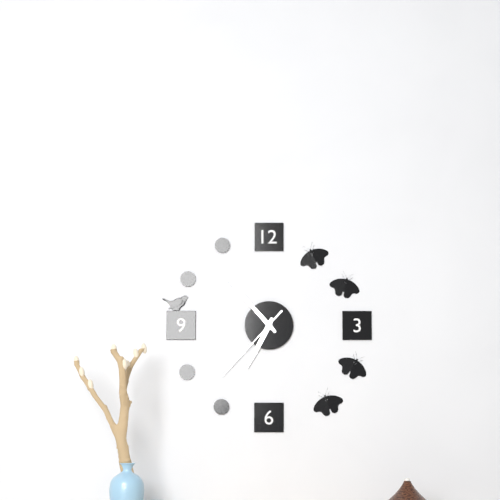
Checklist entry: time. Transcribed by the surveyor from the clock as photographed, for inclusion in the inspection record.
6:53:37
